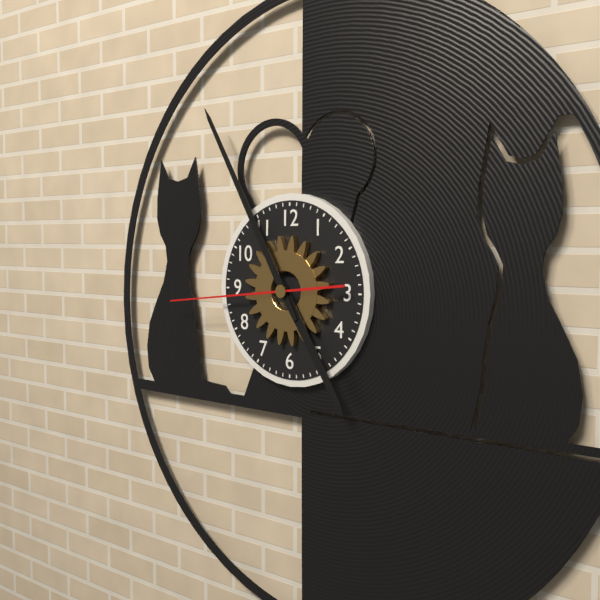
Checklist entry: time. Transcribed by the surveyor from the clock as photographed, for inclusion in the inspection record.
4:55:44
